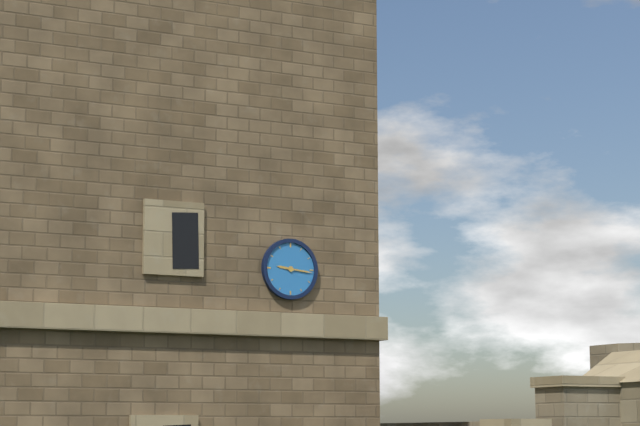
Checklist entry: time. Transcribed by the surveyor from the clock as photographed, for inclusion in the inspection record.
9:16
